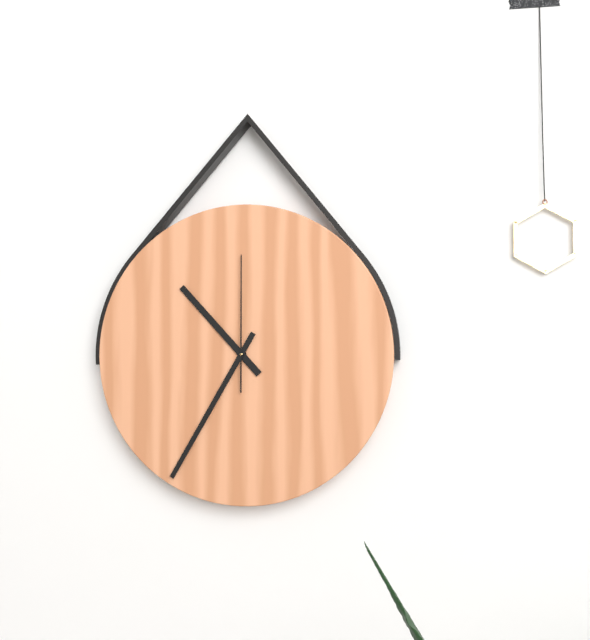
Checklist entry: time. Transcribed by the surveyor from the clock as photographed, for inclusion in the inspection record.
10:35:00
